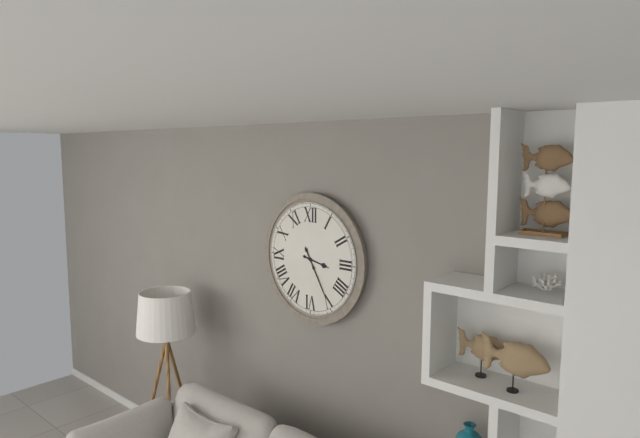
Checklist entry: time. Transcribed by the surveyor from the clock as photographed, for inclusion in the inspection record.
3:25
